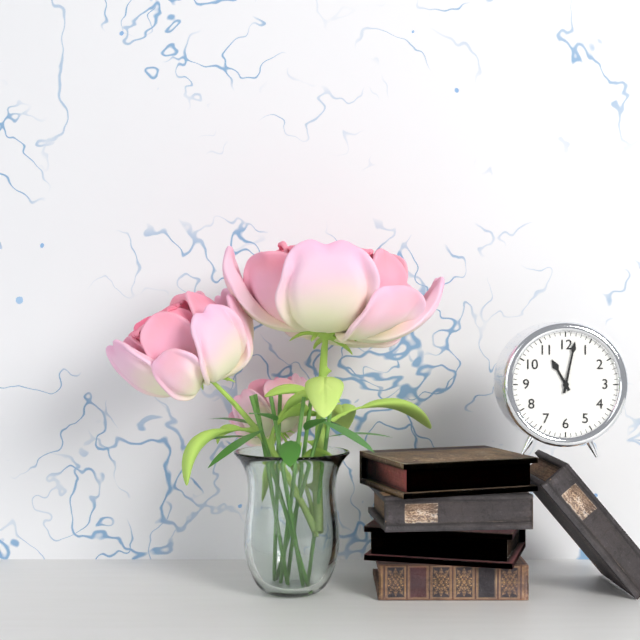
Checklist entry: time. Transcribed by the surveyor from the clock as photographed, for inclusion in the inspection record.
11:02
